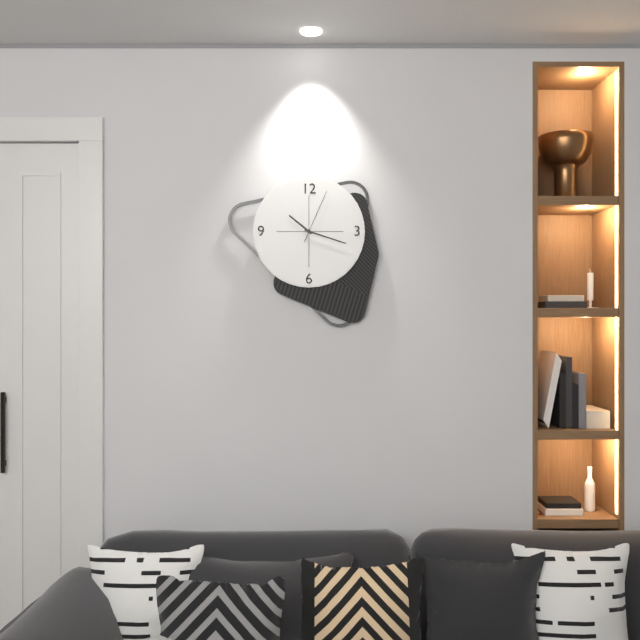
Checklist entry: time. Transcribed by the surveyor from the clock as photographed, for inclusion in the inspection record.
10:18:04
